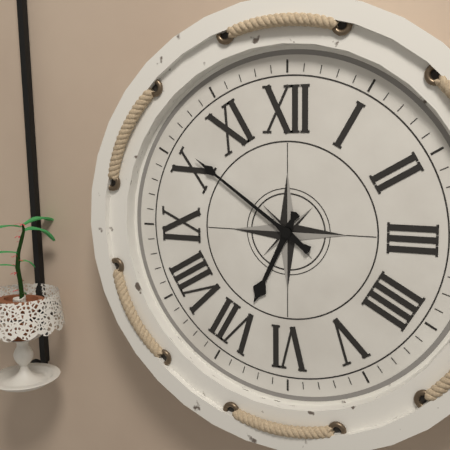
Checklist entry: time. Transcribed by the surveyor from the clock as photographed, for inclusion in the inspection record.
6:51
